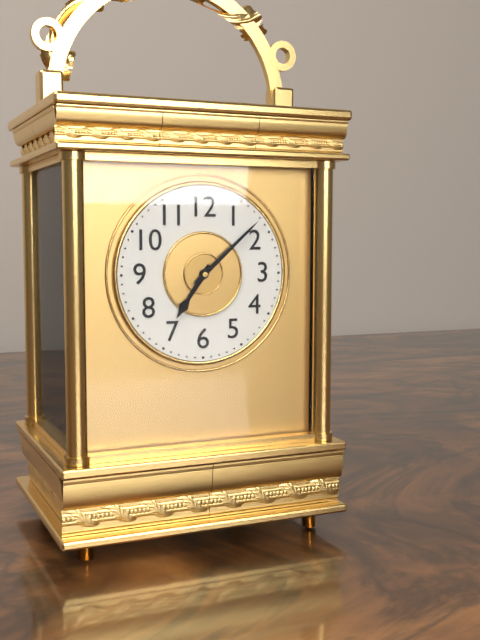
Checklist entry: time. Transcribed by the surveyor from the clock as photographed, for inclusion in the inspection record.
7:08
